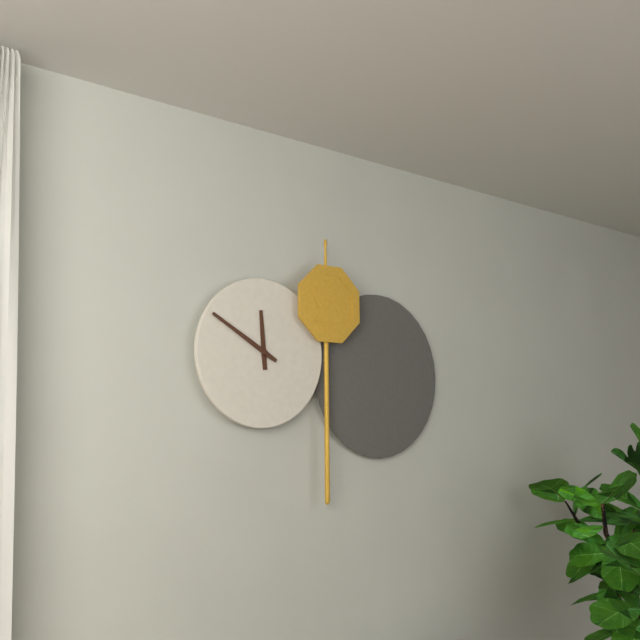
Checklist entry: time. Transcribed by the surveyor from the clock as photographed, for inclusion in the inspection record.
11:50
